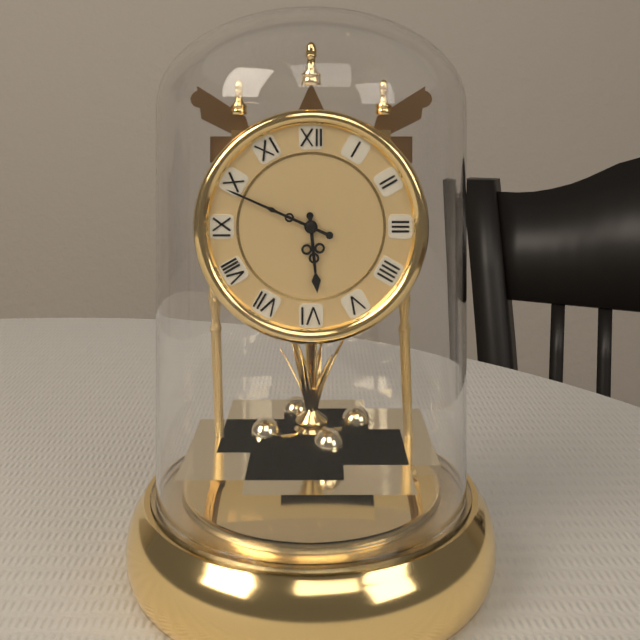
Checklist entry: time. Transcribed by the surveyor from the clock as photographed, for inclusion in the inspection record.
5:49
